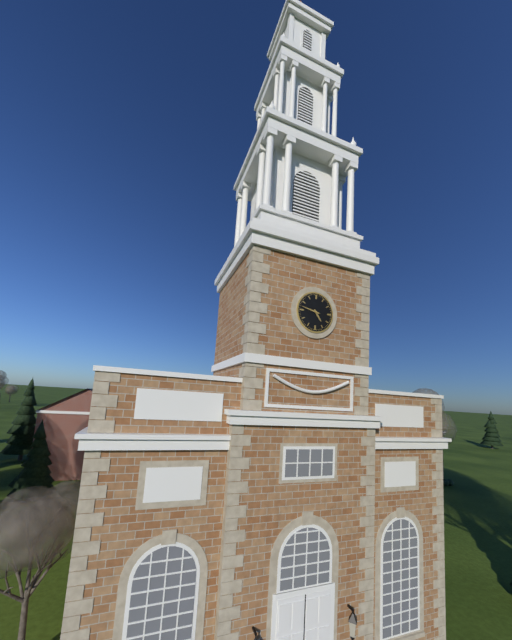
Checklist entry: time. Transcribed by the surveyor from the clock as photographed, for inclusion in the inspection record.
4:47
